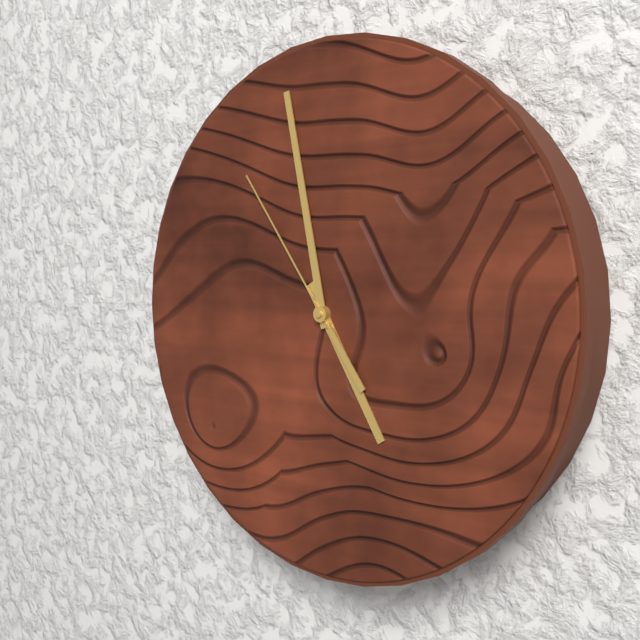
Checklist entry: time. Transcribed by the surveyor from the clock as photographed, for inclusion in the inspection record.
4:58:54
